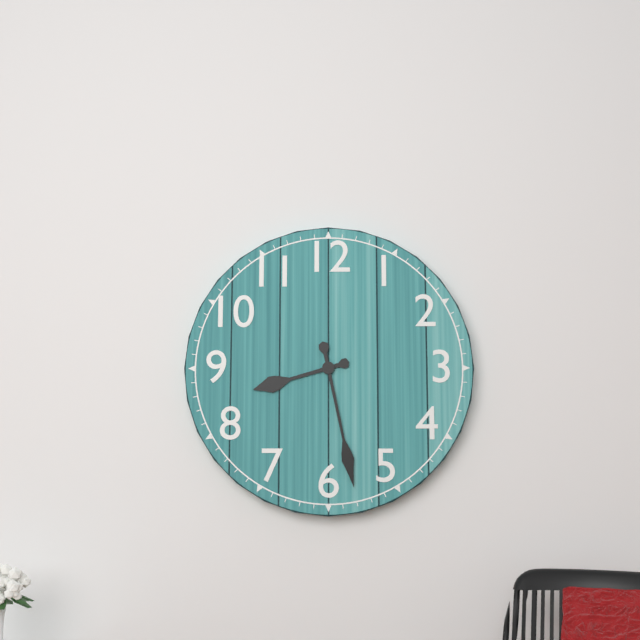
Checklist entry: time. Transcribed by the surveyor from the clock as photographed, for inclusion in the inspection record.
8:28
